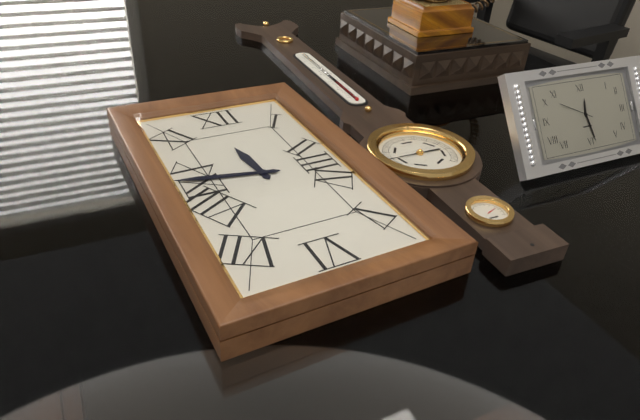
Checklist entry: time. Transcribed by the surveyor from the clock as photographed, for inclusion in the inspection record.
11:47
